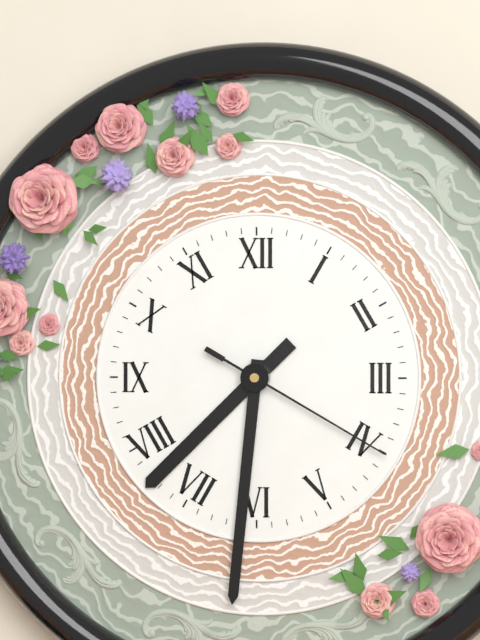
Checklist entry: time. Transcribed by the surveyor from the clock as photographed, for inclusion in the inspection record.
7:31:20
